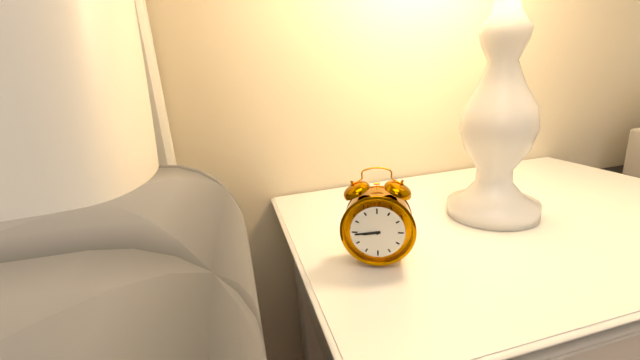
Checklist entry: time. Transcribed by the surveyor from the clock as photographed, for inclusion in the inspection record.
8:44
